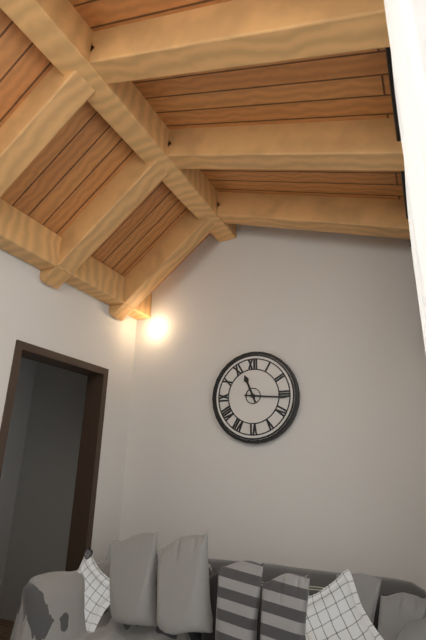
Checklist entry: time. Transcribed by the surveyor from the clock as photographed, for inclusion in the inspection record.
11:16
